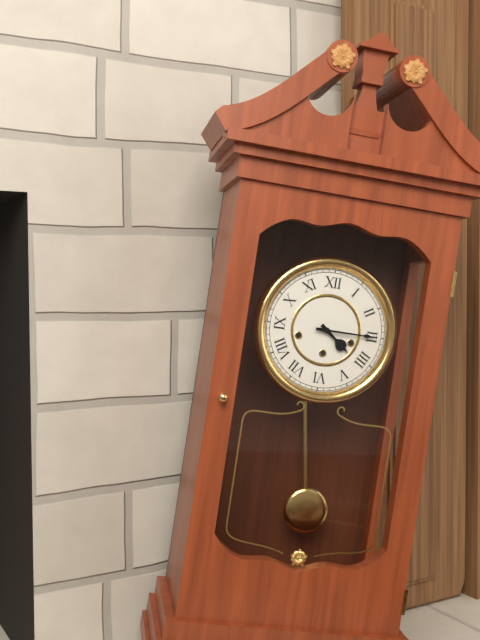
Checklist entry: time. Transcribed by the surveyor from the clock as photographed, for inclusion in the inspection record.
4:15
